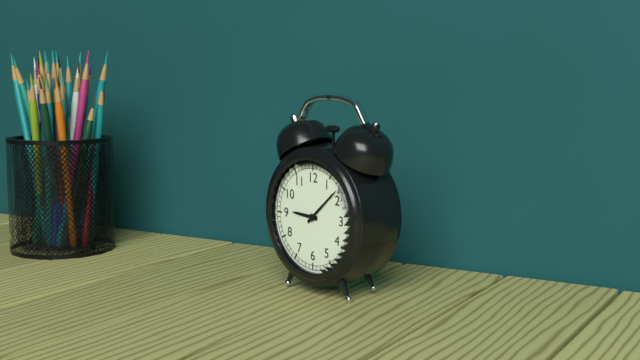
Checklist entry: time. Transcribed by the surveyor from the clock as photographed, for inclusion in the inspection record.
9:08
